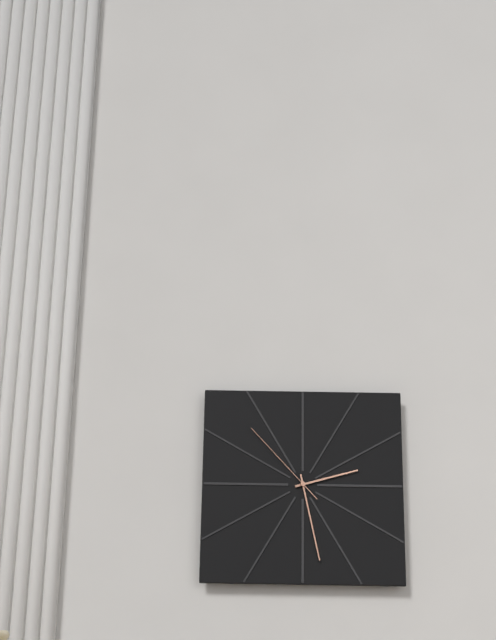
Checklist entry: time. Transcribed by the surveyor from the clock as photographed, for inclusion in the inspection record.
2:28:53
